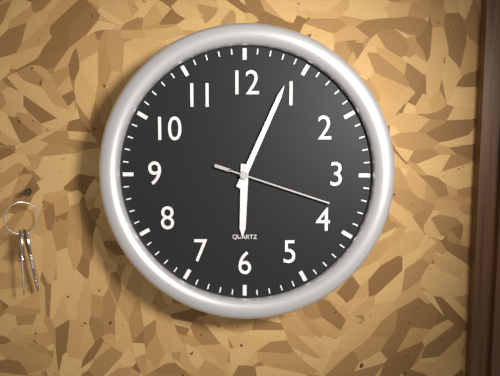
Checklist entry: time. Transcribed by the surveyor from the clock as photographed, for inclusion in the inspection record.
6:04:18
